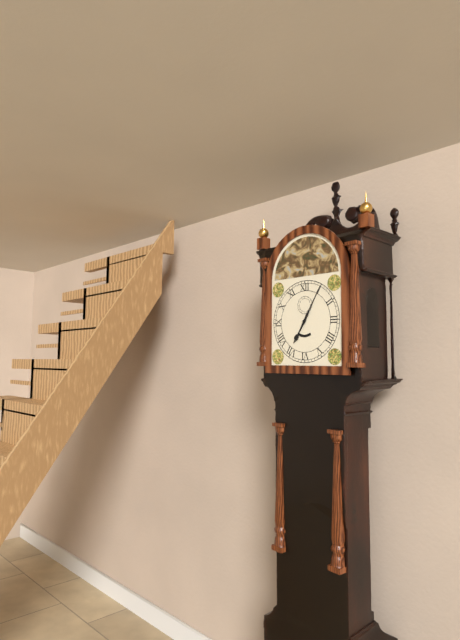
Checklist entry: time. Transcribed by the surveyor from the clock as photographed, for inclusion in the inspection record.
7:05
